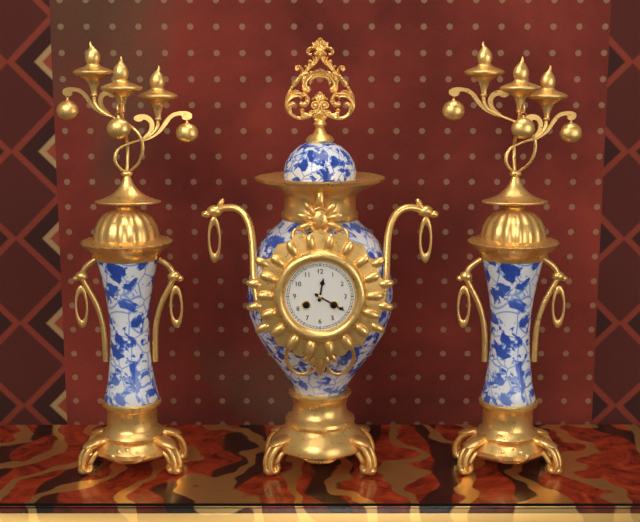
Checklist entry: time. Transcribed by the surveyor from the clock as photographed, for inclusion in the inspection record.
12:20
